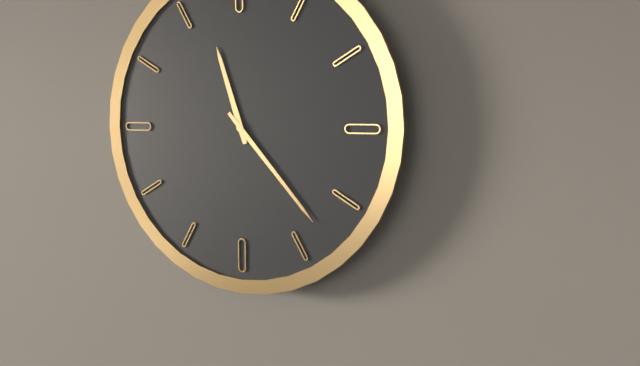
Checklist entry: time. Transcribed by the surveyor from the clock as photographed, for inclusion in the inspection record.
11:23
